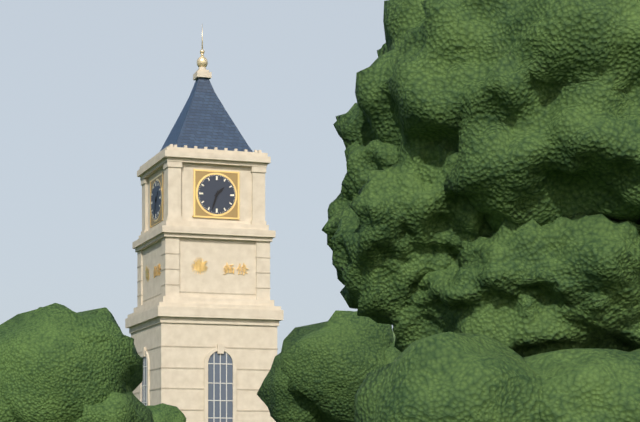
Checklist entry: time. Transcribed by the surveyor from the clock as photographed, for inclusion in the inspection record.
1:33
